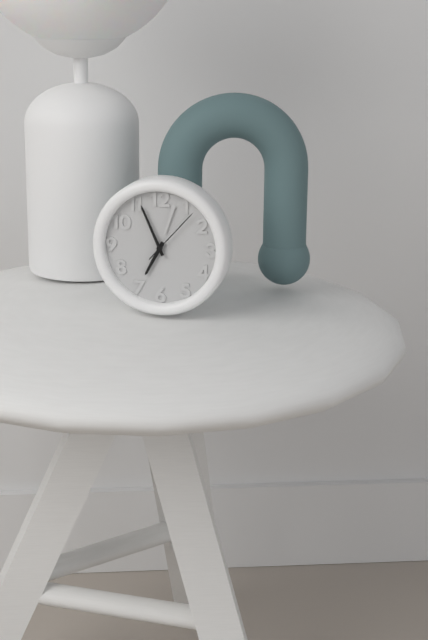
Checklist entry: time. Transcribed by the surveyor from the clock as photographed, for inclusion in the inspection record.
6:56:07
